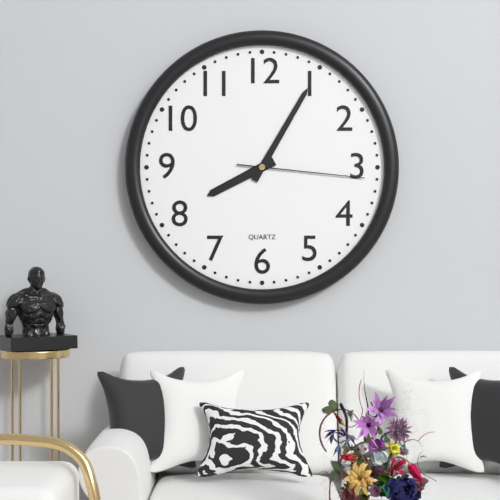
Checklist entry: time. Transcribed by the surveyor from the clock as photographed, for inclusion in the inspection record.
8:05:16
